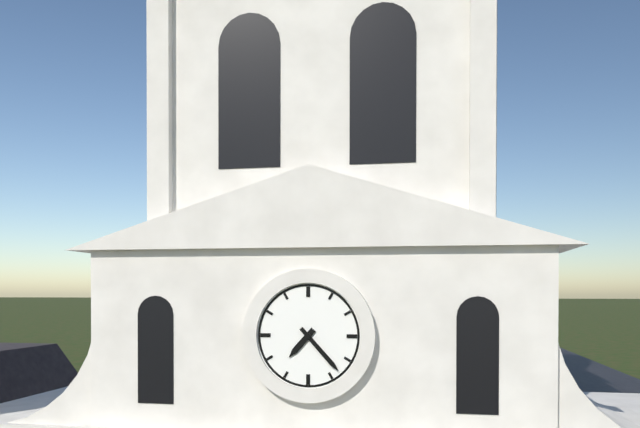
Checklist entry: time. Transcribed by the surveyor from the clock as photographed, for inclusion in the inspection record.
7:23
